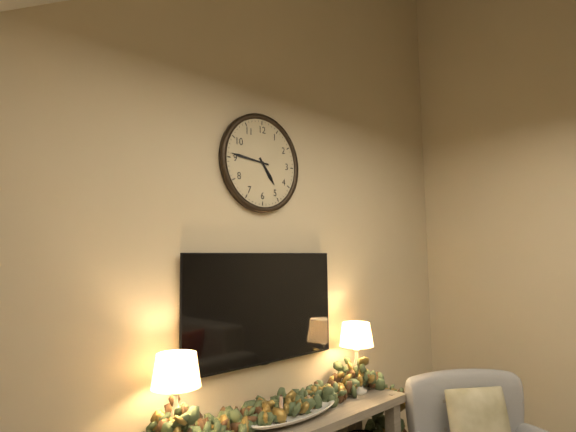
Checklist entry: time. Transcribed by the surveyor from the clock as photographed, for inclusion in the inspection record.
4:46
